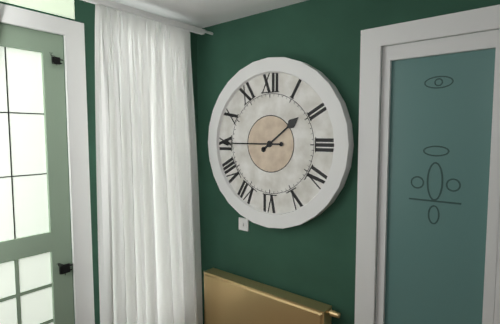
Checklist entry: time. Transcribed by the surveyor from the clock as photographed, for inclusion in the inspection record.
1:45
